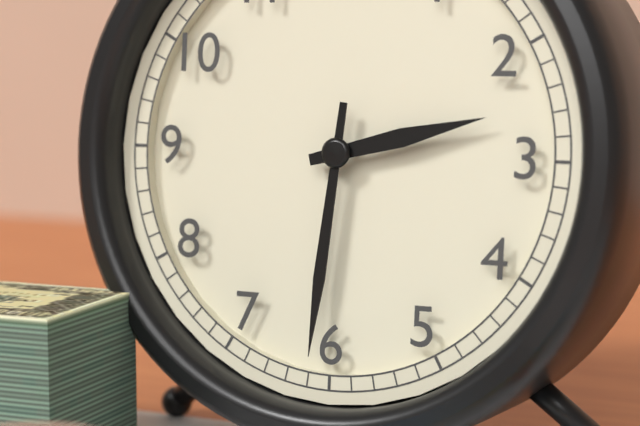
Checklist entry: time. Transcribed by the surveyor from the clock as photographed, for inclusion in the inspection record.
2:31
